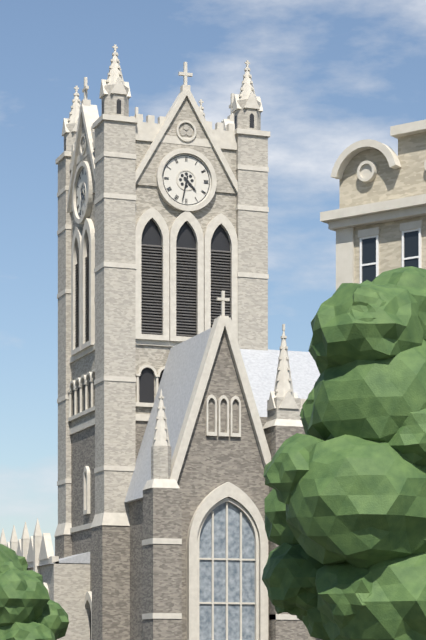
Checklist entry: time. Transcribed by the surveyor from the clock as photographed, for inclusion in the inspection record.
4:32
